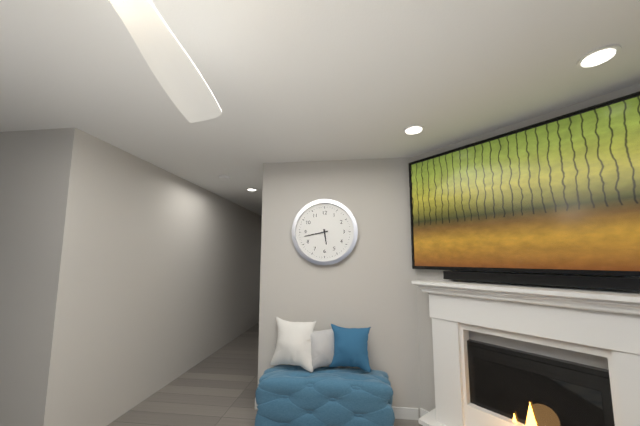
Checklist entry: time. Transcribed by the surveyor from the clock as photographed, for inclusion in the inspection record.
5:43
